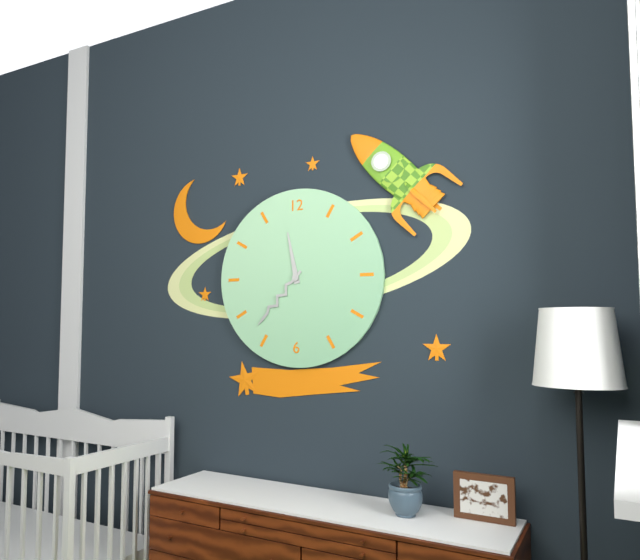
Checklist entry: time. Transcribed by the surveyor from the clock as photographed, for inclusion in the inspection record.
11:37
